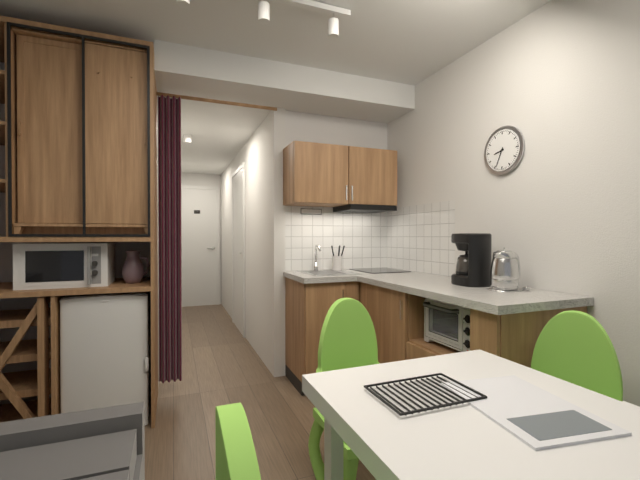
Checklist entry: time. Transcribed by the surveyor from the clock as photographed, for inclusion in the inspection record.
8:34
